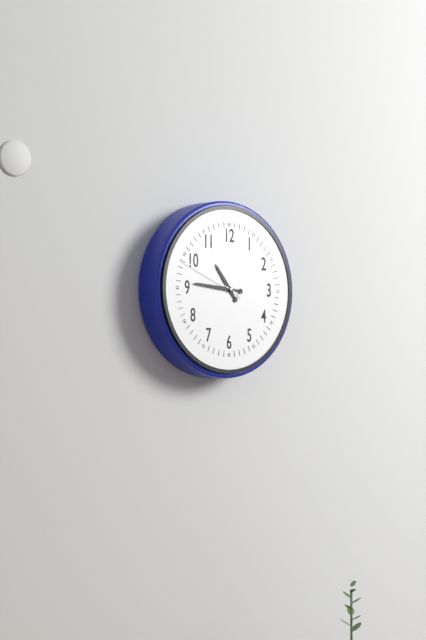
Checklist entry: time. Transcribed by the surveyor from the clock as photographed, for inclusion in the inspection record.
10:46:49
